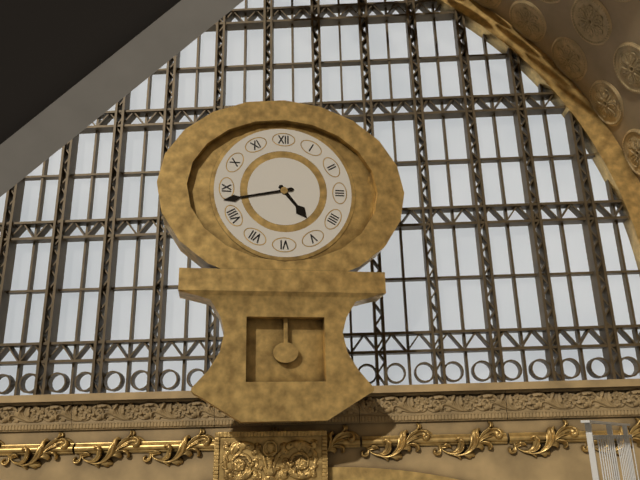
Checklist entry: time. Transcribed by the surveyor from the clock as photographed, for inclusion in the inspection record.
4:43
